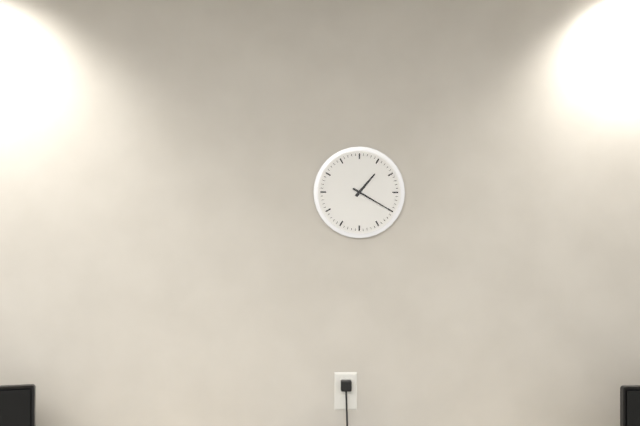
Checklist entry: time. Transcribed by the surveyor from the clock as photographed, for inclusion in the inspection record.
1:20
